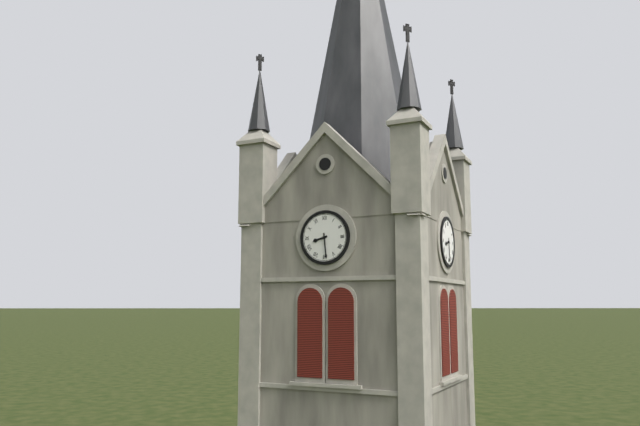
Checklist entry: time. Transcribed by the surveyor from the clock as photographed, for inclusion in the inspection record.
8:29
